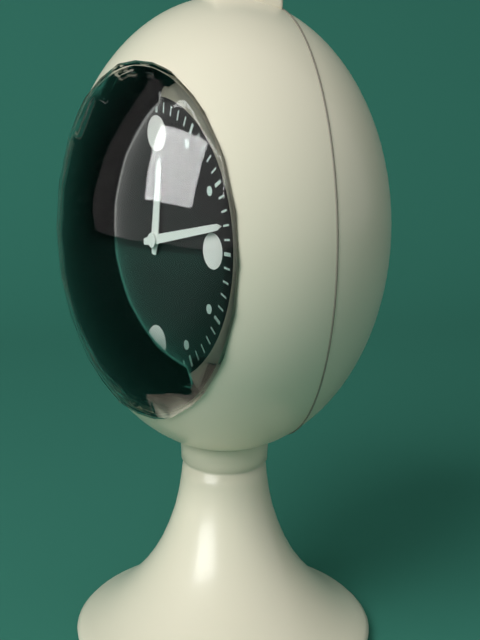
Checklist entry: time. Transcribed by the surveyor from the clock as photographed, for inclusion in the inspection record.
12:13
